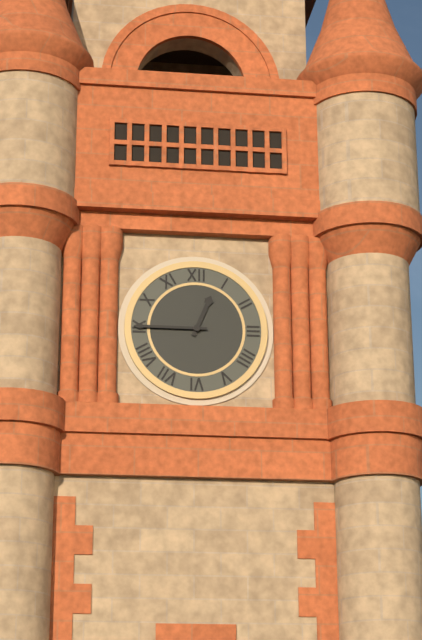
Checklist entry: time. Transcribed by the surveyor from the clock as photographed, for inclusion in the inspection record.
12:45
